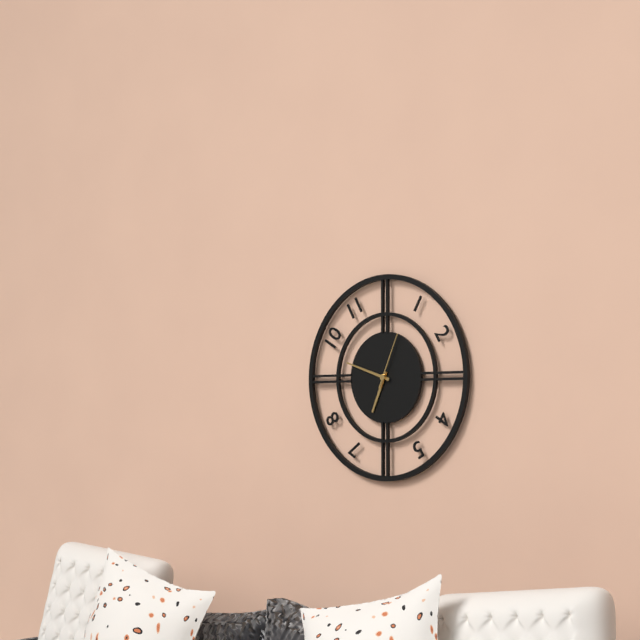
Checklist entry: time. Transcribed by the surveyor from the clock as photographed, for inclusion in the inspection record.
6:48:04
